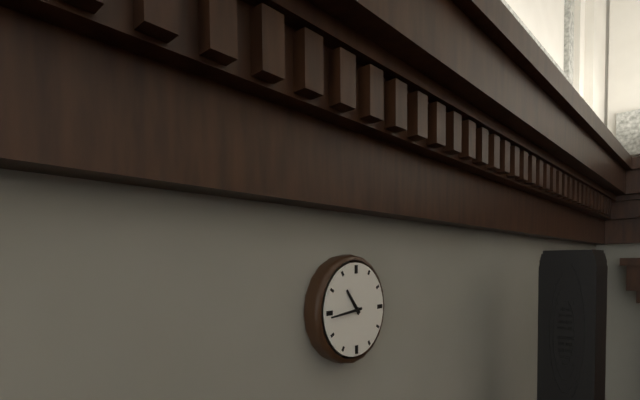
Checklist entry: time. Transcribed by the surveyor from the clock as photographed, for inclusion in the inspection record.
10:44
